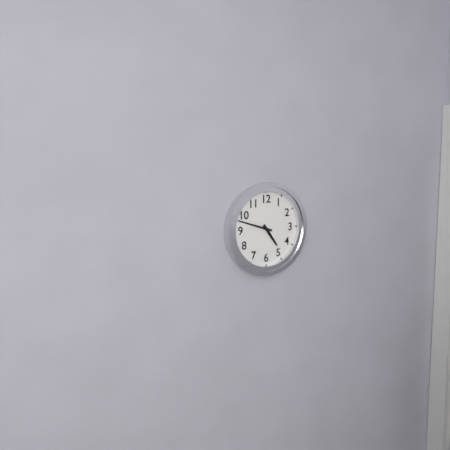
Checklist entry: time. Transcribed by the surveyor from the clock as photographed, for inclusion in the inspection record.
4:48
